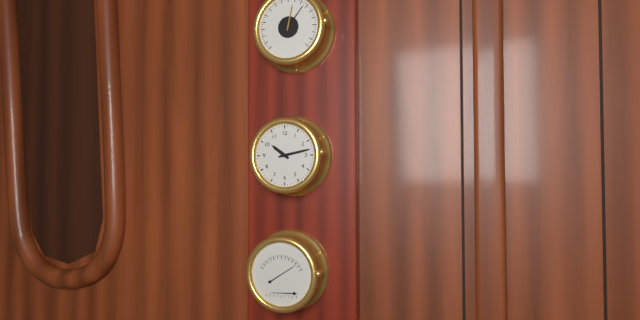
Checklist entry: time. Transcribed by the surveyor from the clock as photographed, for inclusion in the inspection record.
10:13
